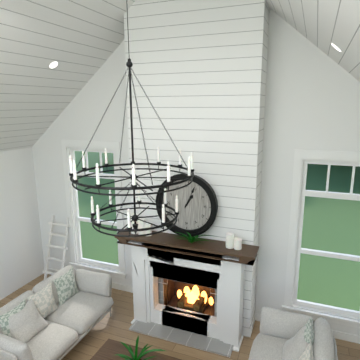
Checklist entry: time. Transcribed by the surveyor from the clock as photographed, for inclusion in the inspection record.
1:04
